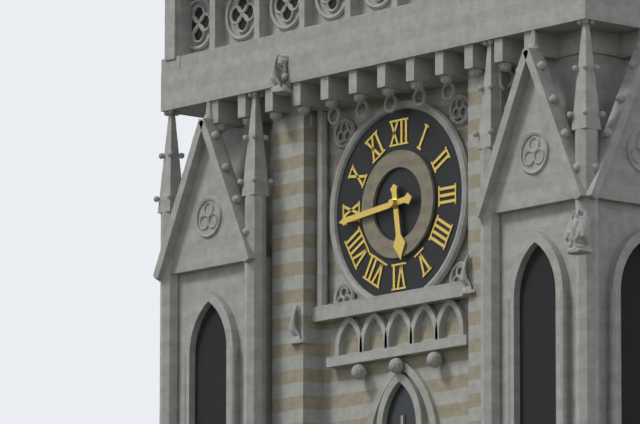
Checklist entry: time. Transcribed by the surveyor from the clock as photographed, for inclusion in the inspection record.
5:44
